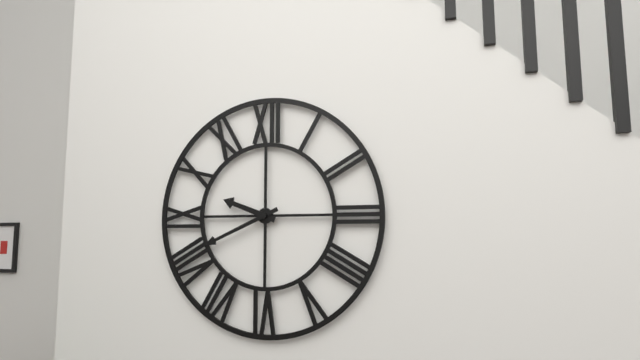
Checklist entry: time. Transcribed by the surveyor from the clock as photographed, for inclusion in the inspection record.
9:41
